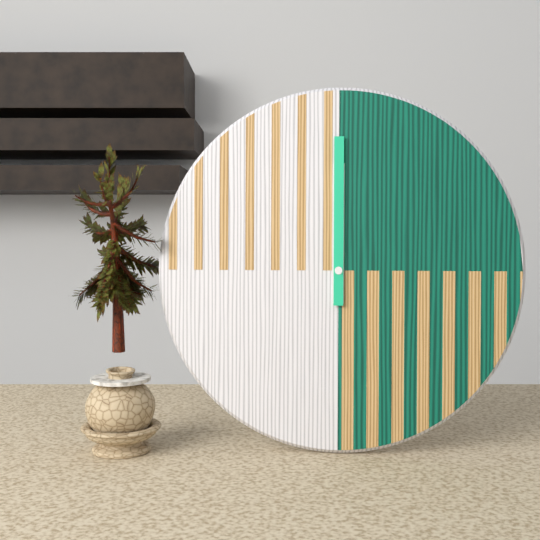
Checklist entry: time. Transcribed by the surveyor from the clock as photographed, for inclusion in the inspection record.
12:00
